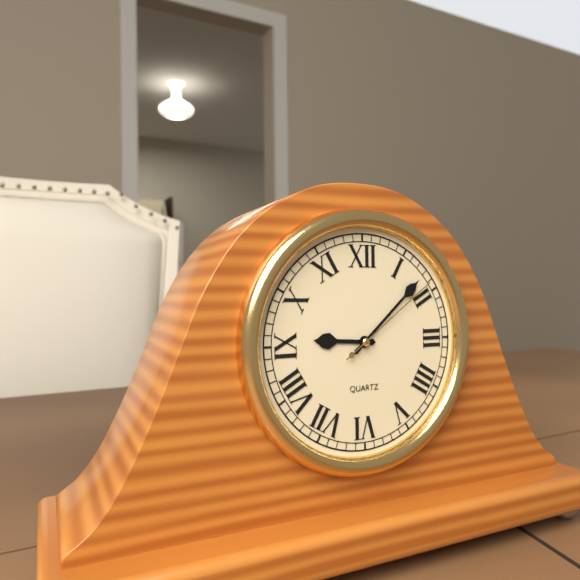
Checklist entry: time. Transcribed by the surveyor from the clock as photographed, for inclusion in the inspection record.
9:08:09
